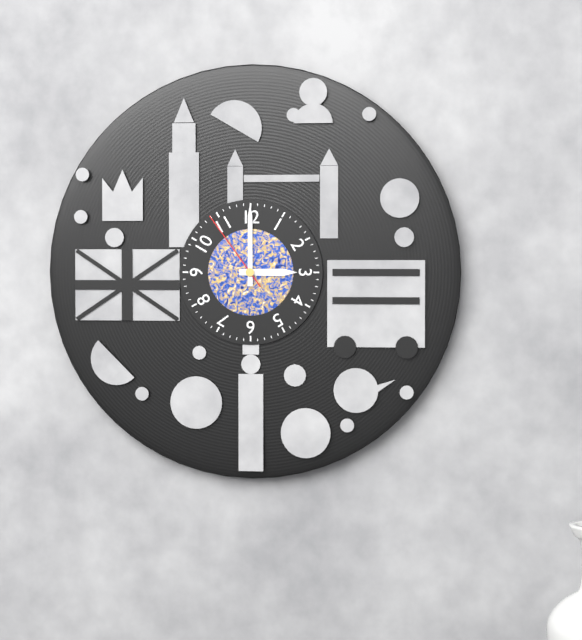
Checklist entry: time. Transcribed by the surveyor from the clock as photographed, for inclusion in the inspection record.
3:00:54
